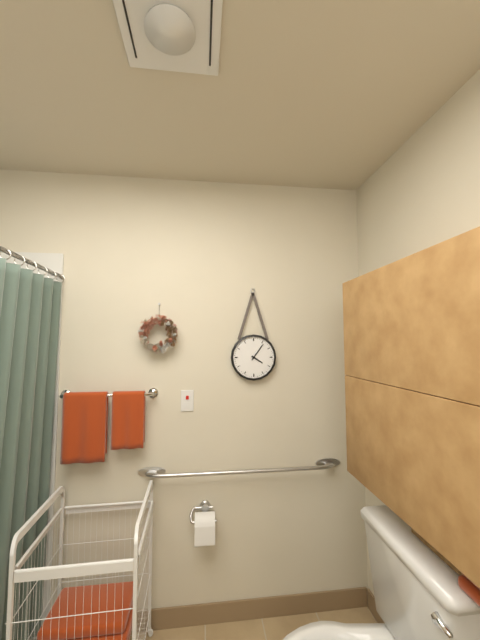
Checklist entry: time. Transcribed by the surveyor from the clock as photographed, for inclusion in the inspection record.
4:06
